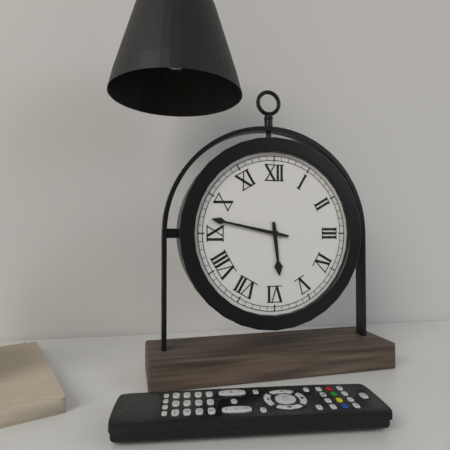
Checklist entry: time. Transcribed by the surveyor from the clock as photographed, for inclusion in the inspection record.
5:47
